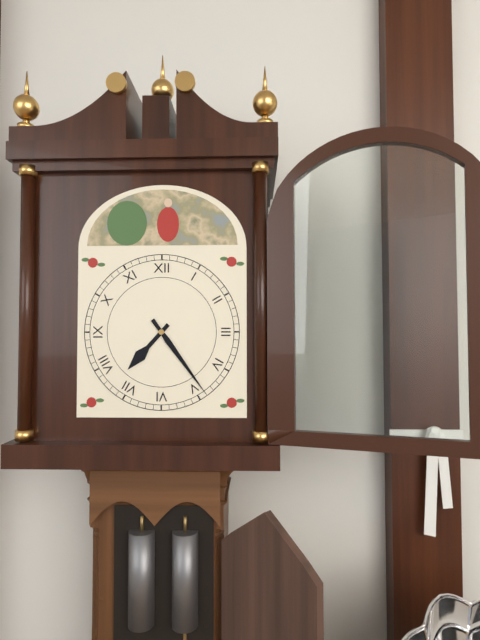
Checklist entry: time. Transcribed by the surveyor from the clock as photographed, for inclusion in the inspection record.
7:24
